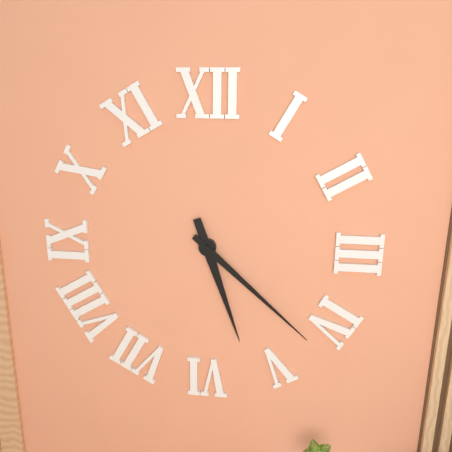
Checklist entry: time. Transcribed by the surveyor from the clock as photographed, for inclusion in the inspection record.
5:22
